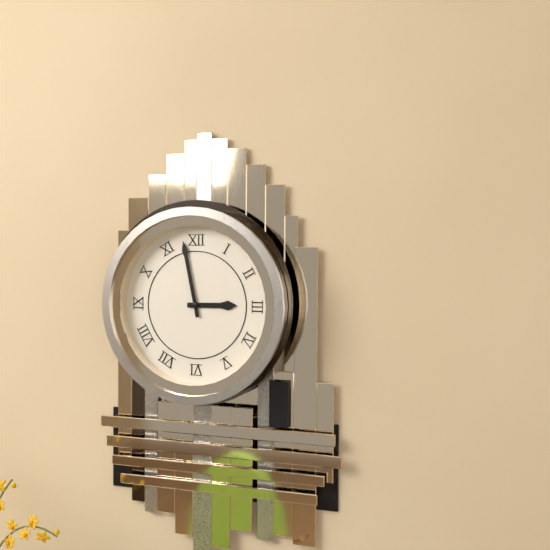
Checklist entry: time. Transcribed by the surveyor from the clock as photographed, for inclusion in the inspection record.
2:58
